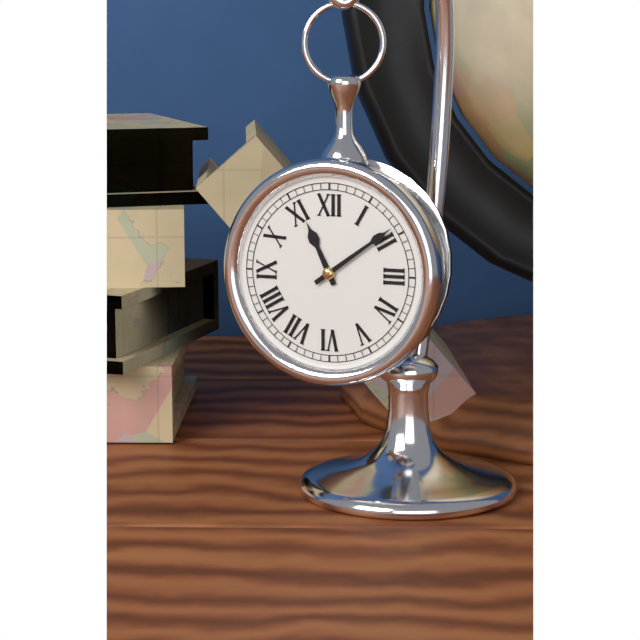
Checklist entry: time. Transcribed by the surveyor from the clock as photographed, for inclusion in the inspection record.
11:09
